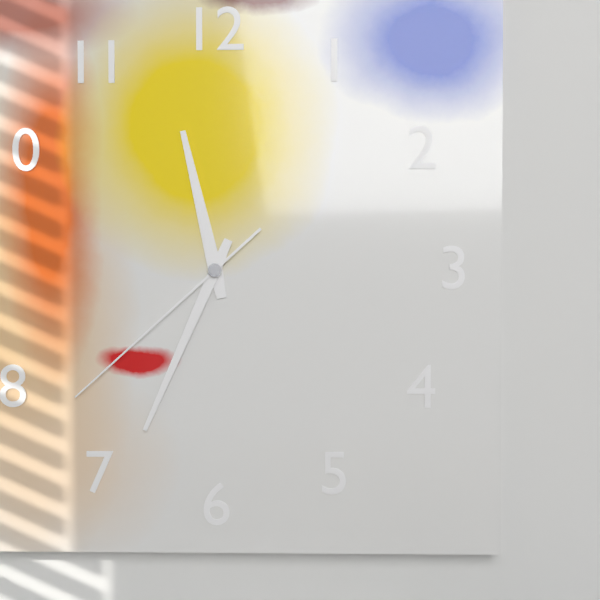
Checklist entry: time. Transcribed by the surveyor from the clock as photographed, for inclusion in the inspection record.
11:34:38
